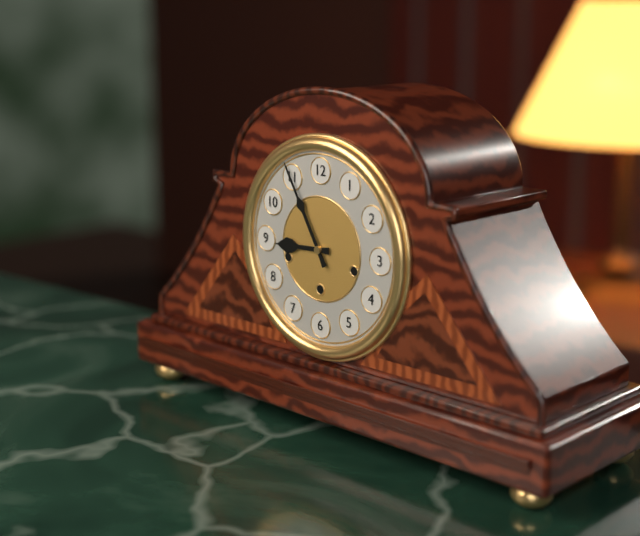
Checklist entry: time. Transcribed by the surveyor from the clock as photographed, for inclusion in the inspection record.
8:55
